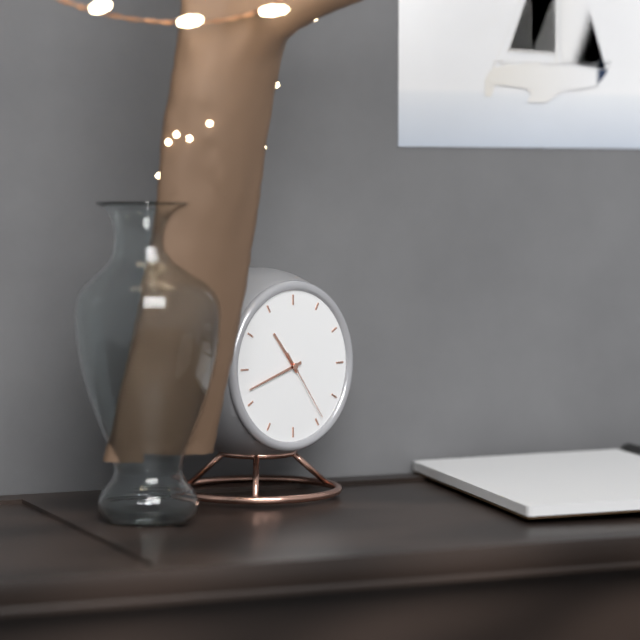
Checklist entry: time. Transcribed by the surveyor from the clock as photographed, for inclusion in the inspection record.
10:42:24
